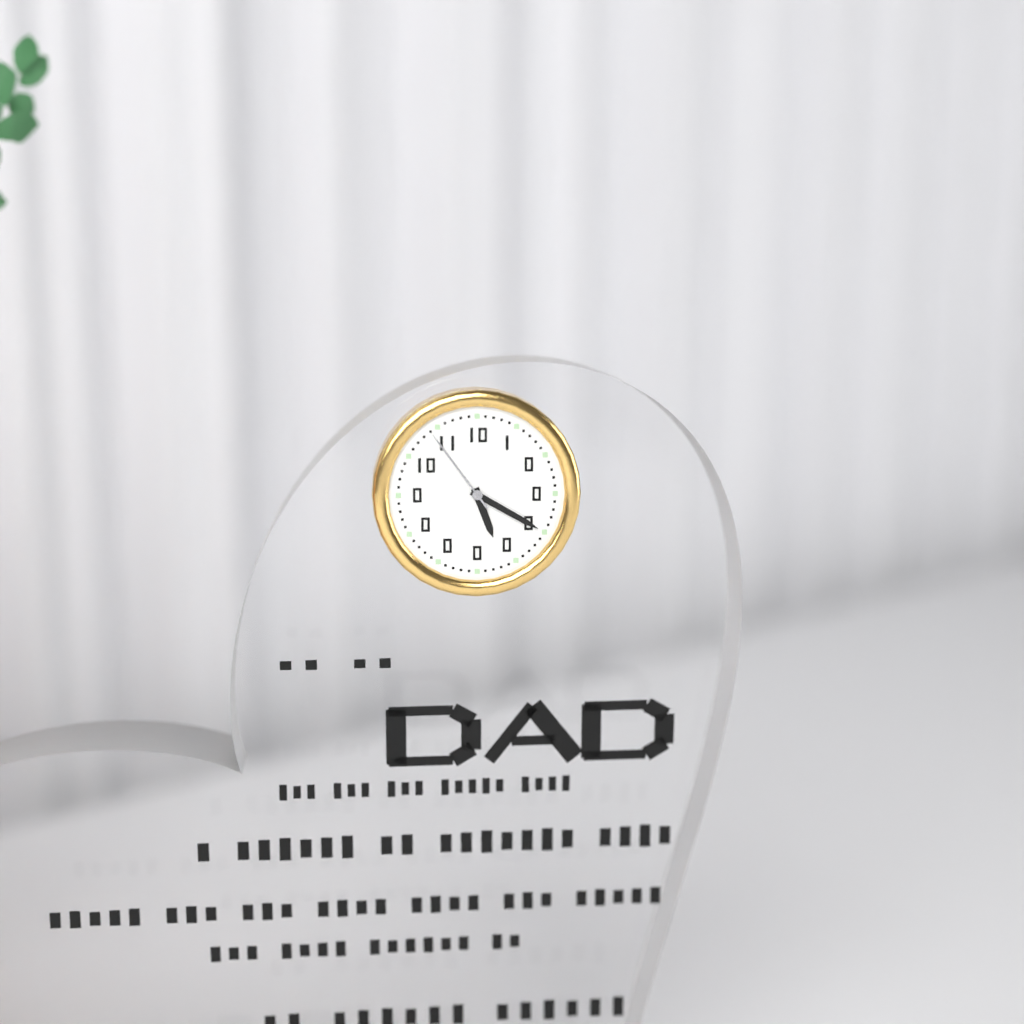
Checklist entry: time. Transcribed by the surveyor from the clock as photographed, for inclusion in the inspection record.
5:20:54
